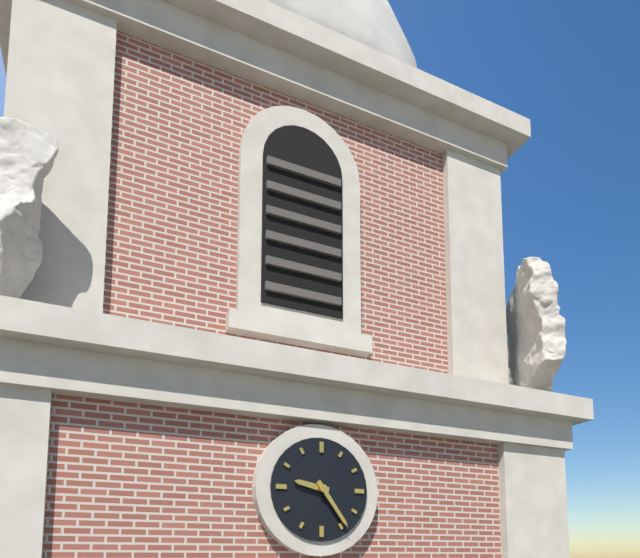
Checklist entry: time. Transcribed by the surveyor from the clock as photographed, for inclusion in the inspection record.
9:24
